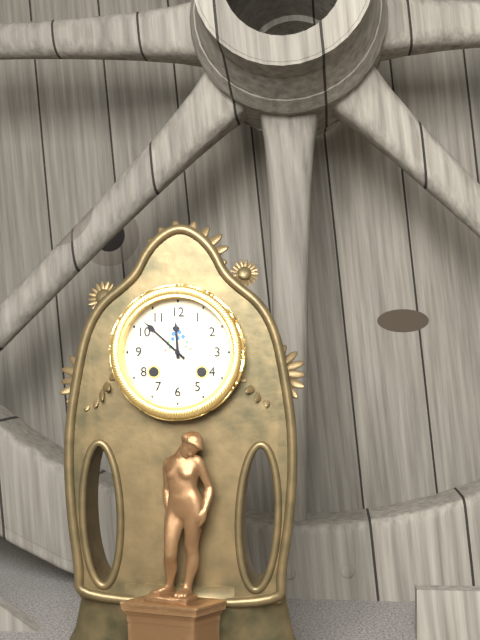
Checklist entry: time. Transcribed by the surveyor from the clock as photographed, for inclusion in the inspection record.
11:52
